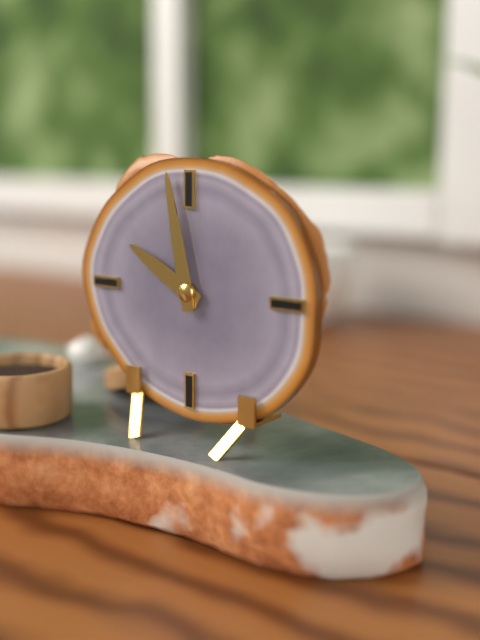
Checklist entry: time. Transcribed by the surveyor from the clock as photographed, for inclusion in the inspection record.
9:58
